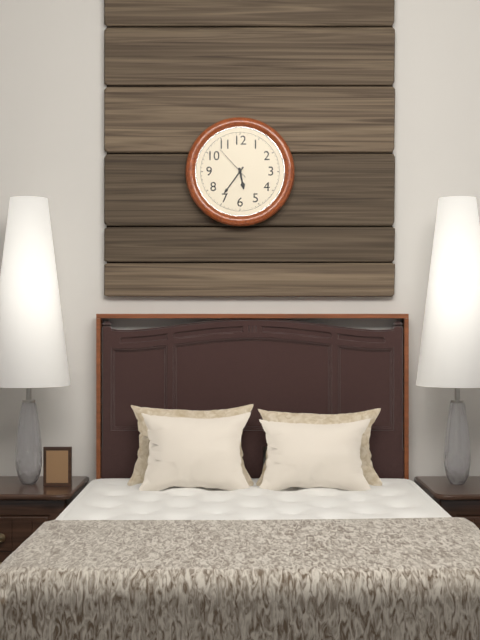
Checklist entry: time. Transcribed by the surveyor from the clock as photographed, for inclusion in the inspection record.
5:36
